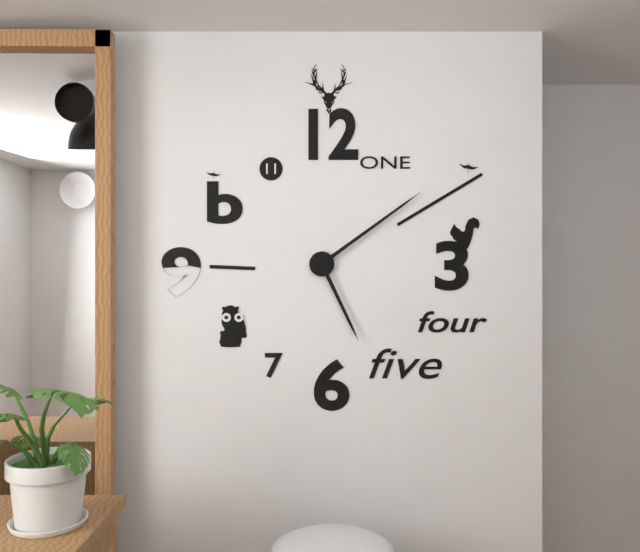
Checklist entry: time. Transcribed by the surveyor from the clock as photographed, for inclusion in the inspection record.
5:09
